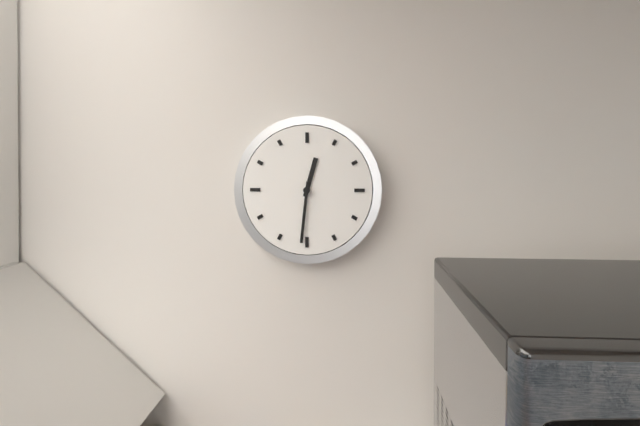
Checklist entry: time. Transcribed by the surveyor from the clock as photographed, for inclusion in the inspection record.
12:31
